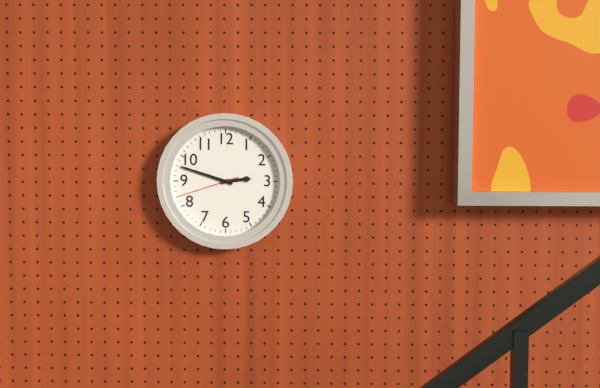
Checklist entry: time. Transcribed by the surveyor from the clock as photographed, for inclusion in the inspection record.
2:48:42
